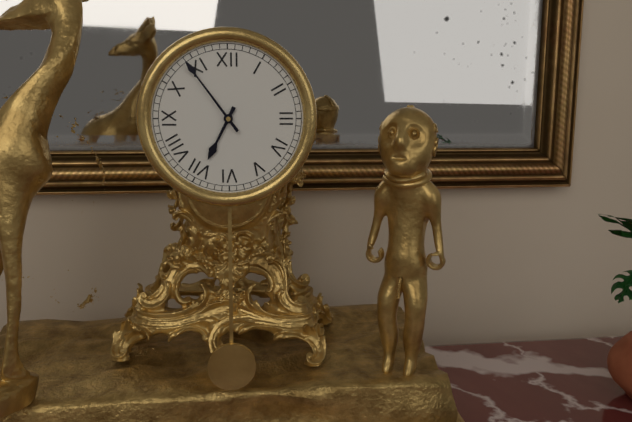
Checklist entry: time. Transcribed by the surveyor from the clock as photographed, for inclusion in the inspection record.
6:54
